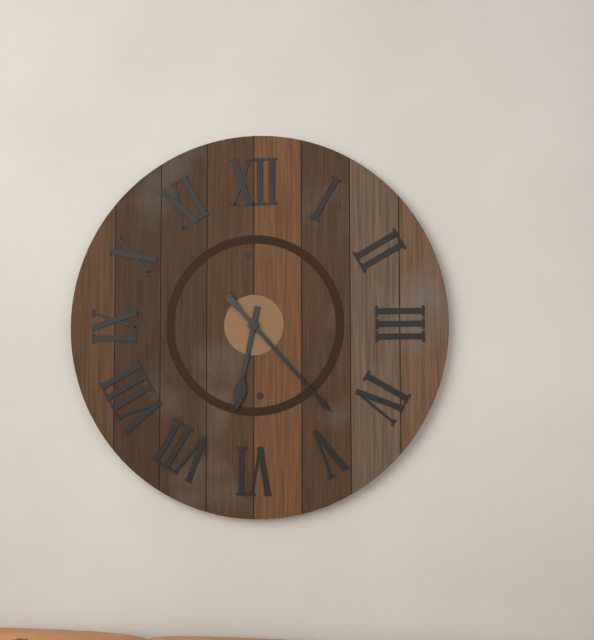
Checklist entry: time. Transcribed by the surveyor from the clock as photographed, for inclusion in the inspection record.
6:23
